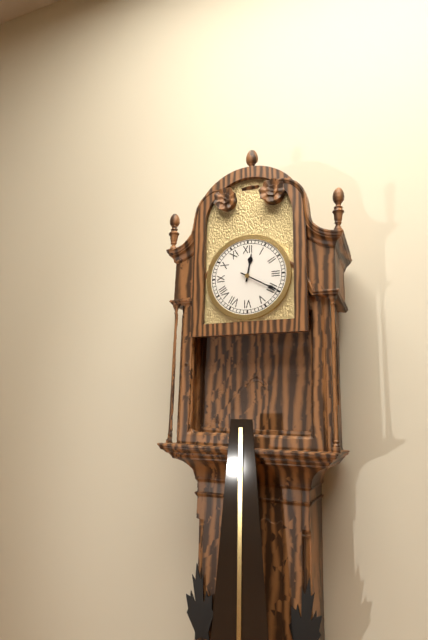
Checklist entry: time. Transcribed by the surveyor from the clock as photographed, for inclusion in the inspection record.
12:20
